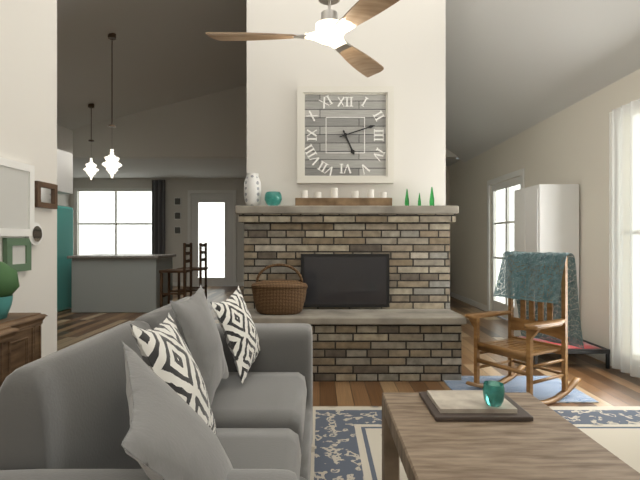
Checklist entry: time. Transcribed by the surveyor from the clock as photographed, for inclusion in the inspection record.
5:12
